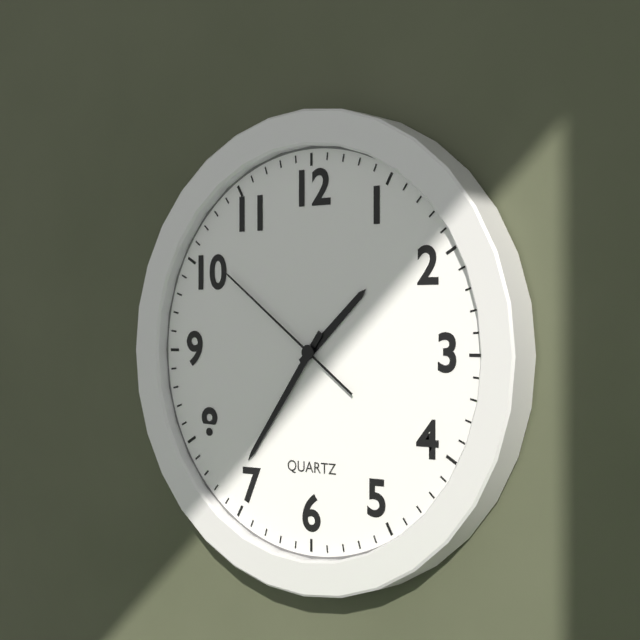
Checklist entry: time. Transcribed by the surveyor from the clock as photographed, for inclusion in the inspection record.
1:36:51
